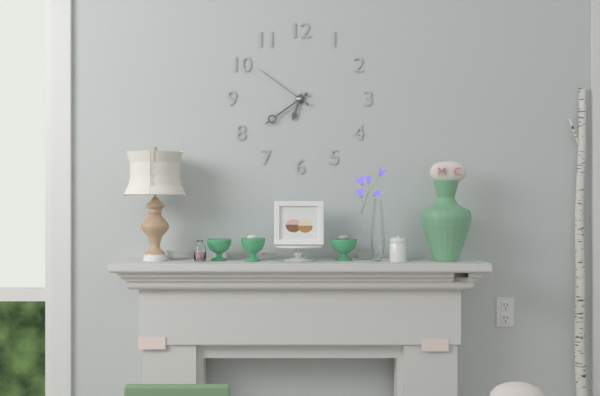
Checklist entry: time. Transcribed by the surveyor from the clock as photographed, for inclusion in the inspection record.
6:39:51
